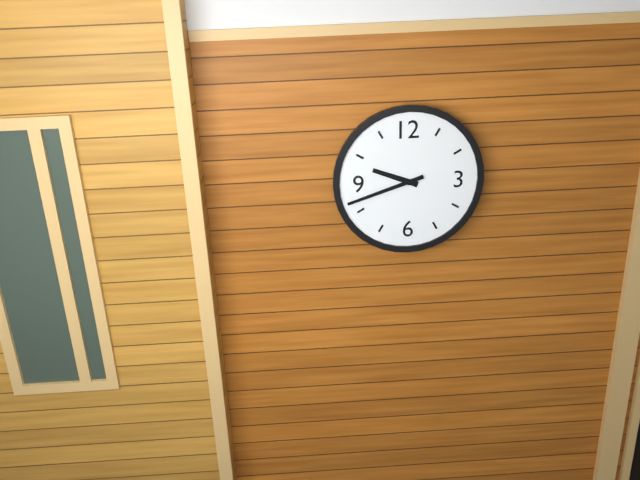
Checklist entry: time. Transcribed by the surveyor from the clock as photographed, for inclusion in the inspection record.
9:42
